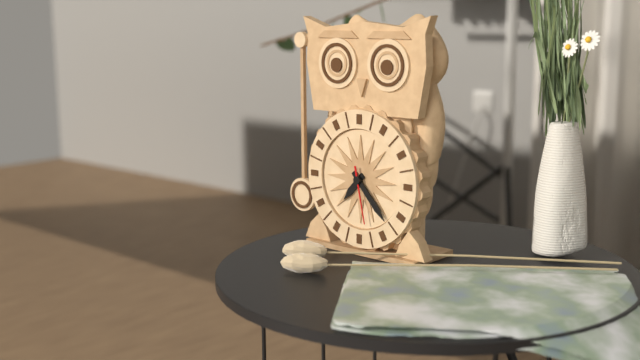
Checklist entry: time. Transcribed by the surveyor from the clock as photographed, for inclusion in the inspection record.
7:23:28
